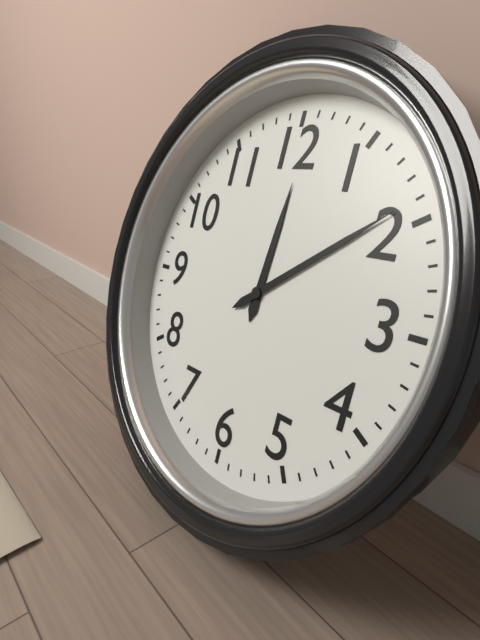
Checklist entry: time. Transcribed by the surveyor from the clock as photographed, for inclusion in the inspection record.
12:09
